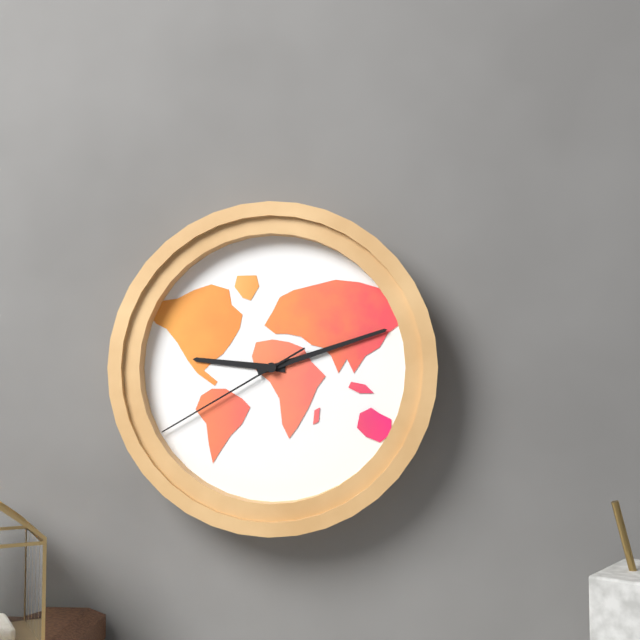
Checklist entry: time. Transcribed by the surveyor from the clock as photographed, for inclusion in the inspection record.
9:12:40
